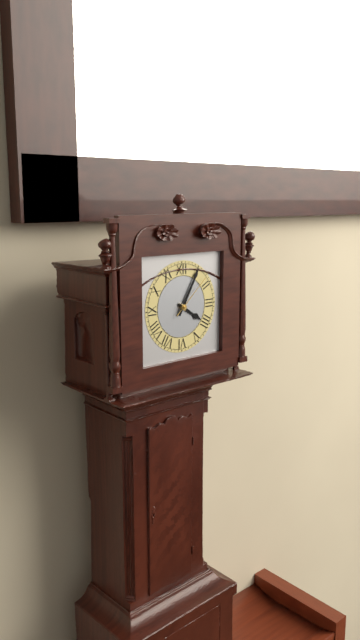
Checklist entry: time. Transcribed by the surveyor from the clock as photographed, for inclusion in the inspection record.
4:05
